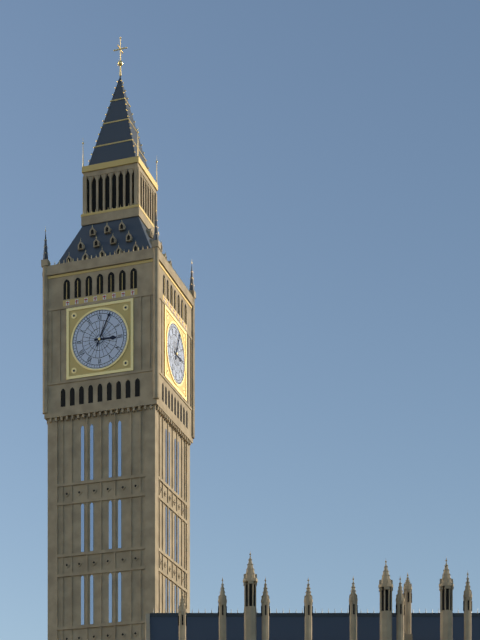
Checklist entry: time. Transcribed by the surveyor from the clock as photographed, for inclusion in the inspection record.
3:04
